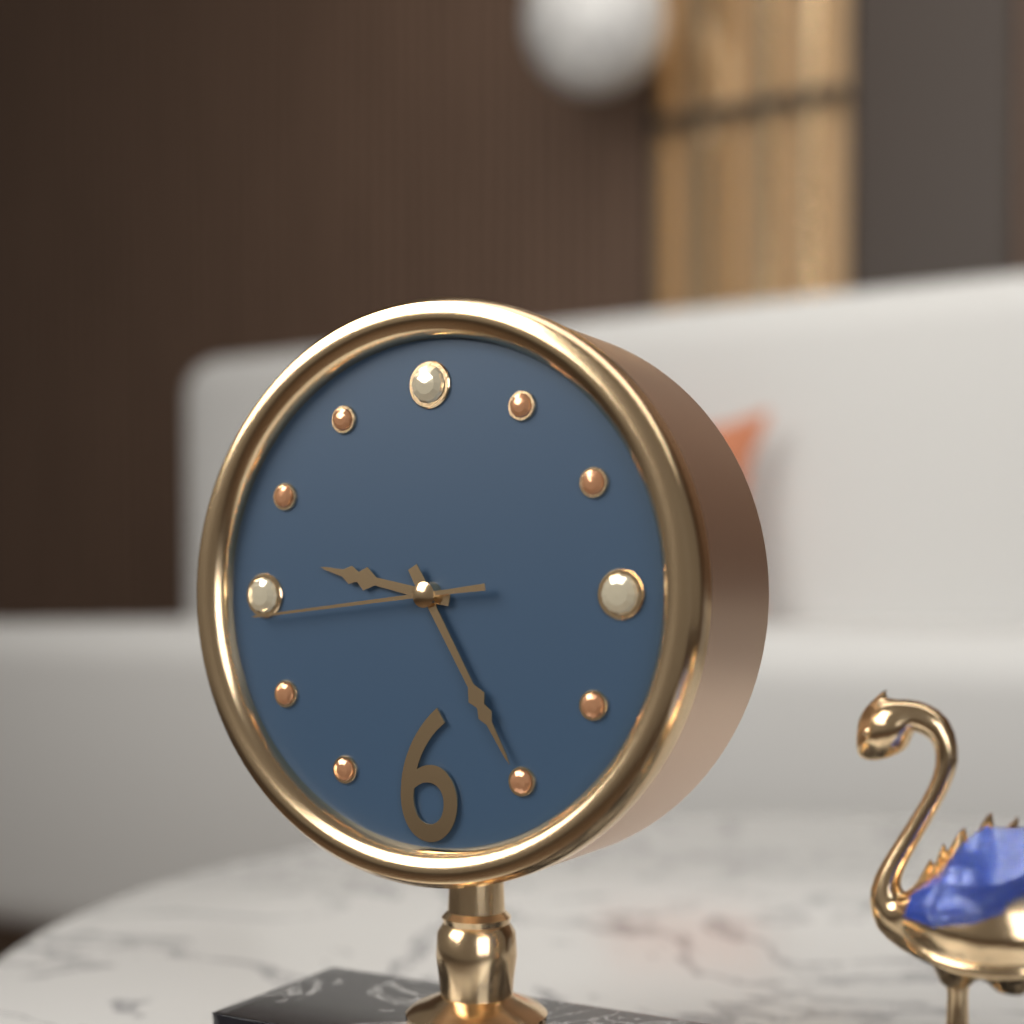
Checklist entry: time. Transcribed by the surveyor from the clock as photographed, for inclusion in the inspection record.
9:25:44
